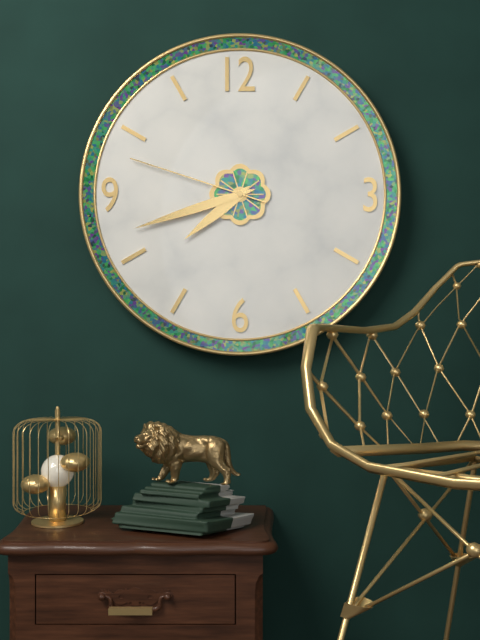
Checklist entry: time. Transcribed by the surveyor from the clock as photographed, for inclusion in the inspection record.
7:42:48
